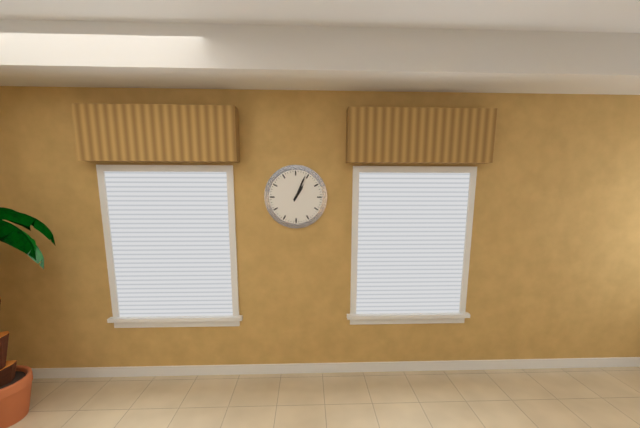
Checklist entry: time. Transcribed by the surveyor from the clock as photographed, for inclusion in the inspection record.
1:04
